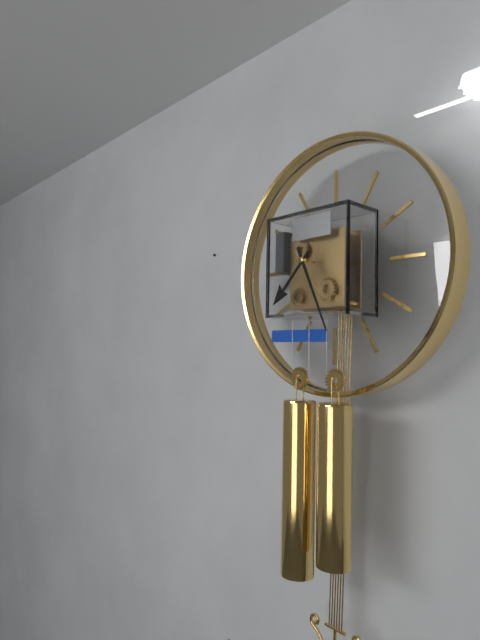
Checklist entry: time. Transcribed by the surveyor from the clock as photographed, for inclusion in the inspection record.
7:26
